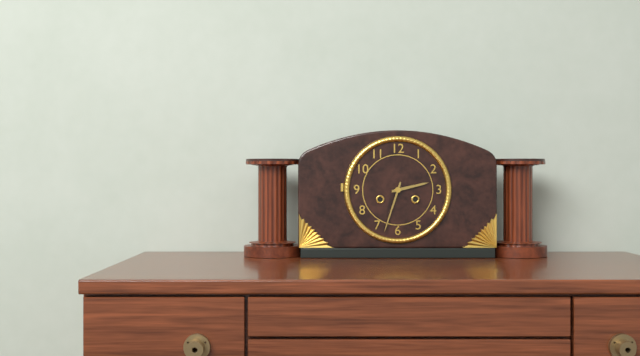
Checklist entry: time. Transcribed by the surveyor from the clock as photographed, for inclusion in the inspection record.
2:33
